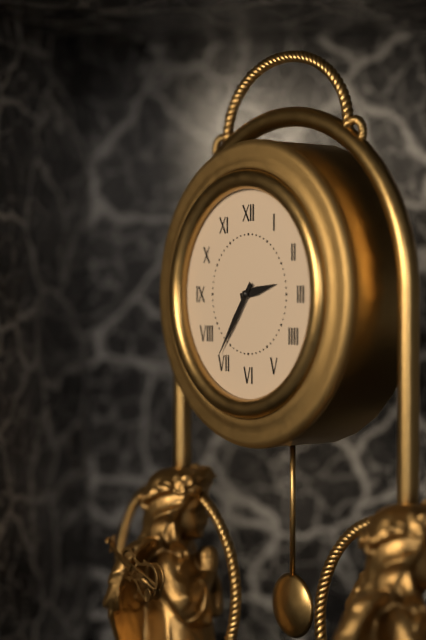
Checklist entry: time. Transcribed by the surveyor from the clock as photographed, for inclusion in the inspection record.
2:36
